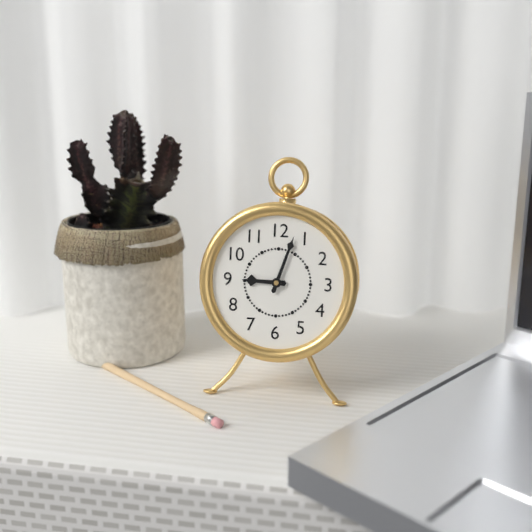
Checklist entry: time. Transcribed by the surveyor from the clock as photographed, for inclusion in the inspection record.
9:03
